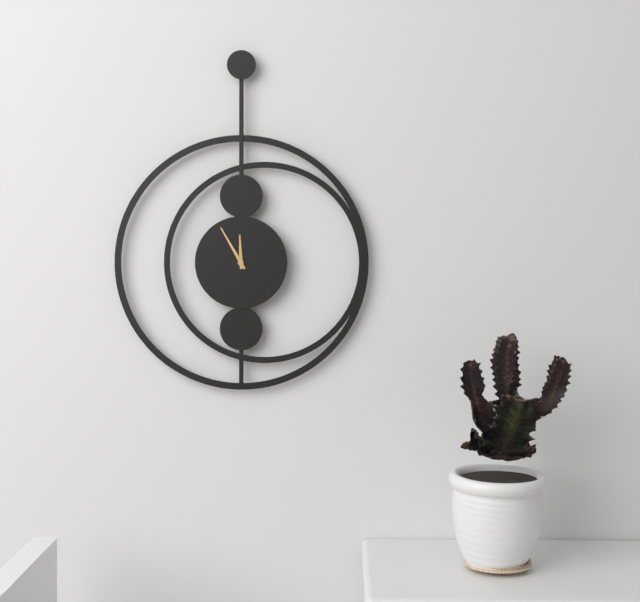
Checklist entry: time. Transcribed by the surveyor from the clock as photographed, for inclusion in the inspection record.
11:55
